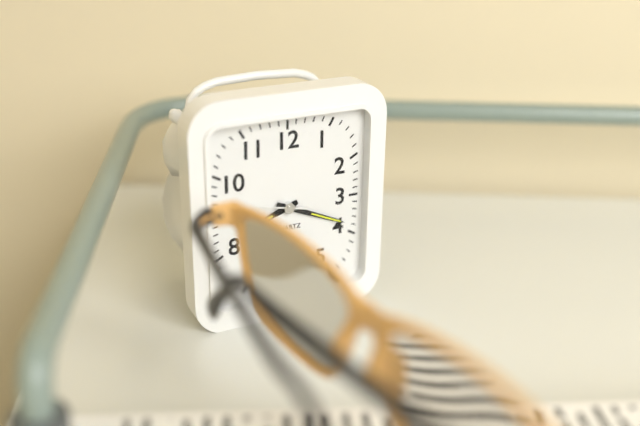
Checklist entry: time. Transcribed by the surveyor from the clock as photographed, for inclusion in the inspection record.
8:19
